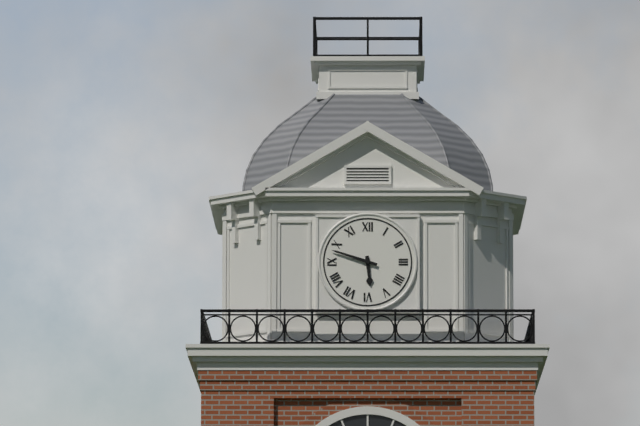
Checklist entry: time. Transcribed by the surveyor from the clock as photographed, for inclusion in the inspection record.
5:48
